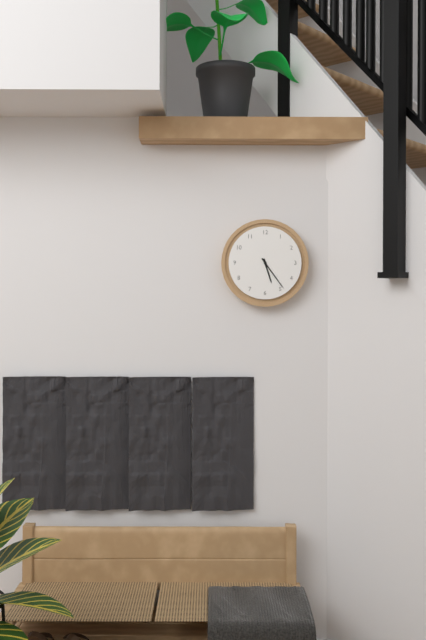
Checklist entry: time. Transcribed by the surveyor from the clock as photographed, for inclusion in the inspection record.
5:24
